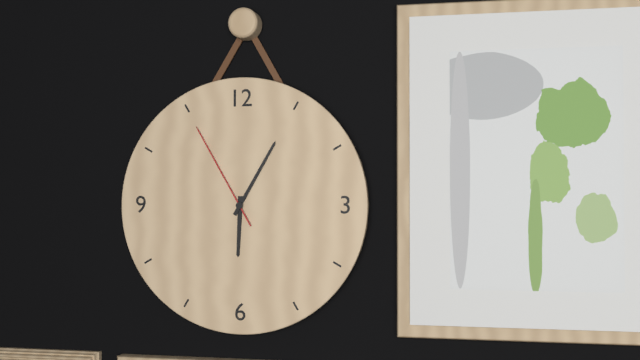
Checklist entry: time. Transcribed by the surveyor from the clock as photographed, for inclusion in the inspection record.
6:05:55
